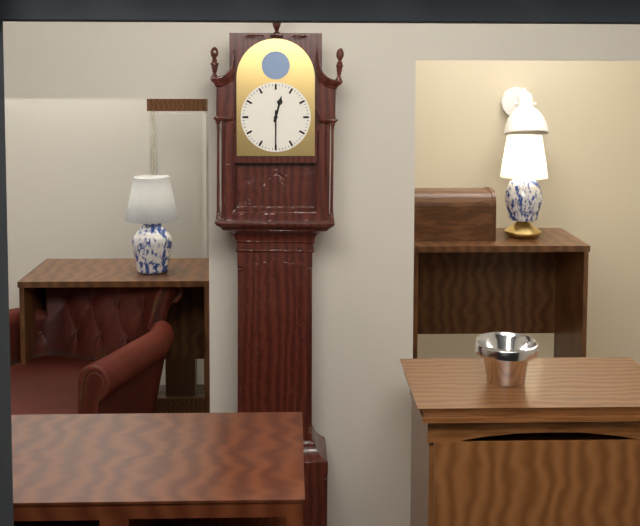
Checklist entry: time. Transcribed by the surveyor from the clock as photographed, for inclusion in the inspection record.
12:30
